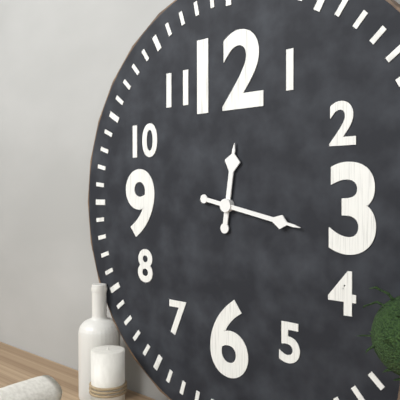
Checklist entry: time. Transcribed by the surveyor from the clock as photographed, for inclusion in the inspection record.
12:17
